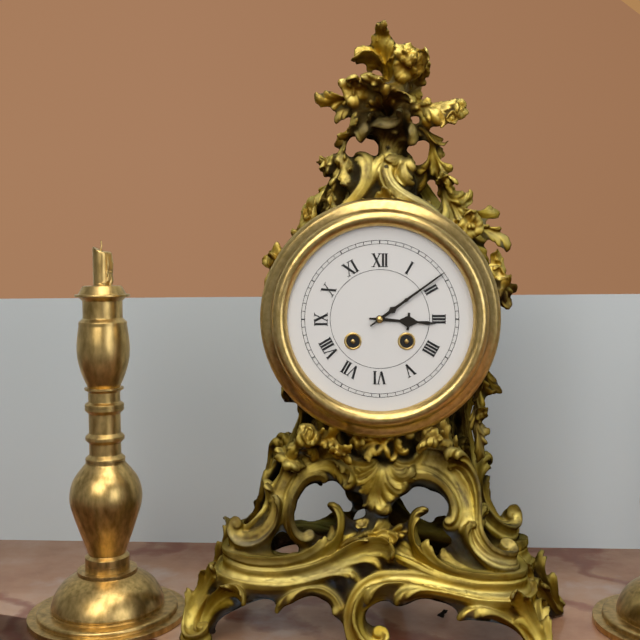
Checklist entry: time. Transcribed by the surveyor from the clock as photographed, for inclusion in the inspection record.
3:09
